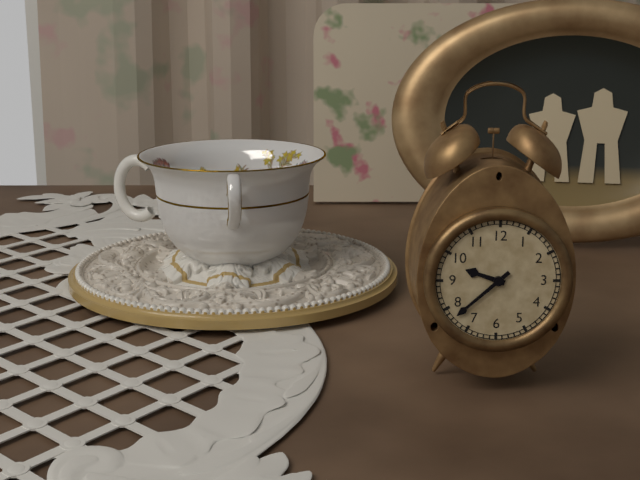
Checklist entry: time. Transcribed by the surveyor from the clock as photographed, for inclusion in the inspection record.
9:38
